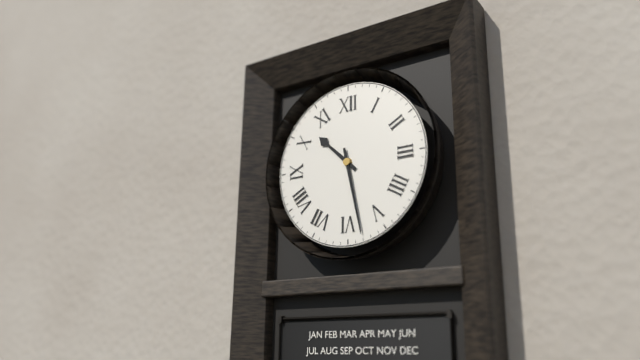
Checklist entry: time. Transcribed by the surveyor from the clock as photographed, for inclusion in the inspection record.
10:28
